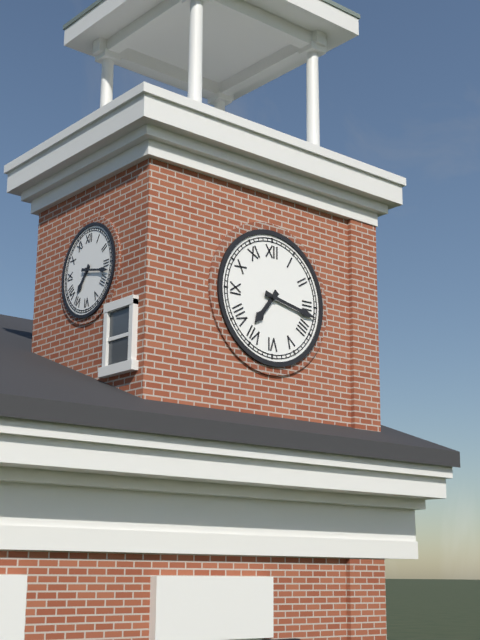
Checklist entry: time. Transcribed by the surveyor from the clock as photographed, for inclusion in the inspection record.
7:17
